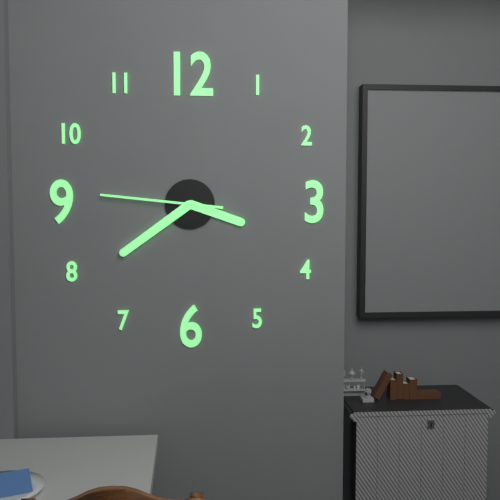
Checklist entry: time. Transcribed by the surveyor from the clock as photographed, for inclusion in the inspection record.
3:39:46
